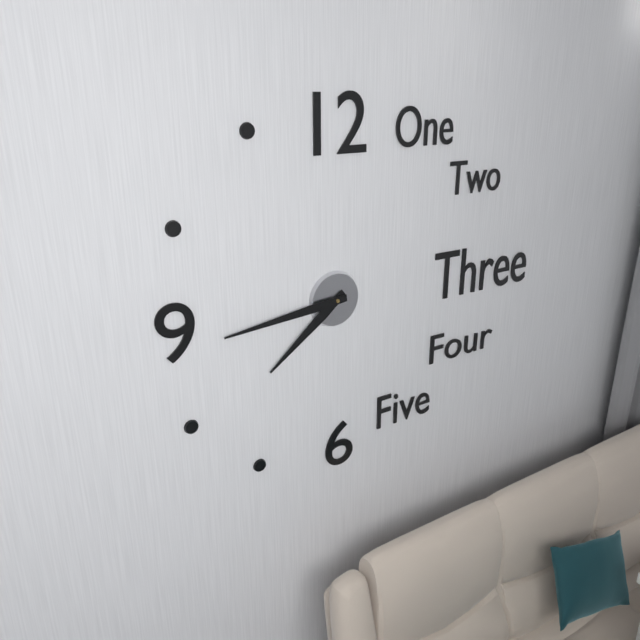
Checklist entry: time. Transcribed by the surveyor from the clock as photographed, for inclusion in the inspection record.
7:44
